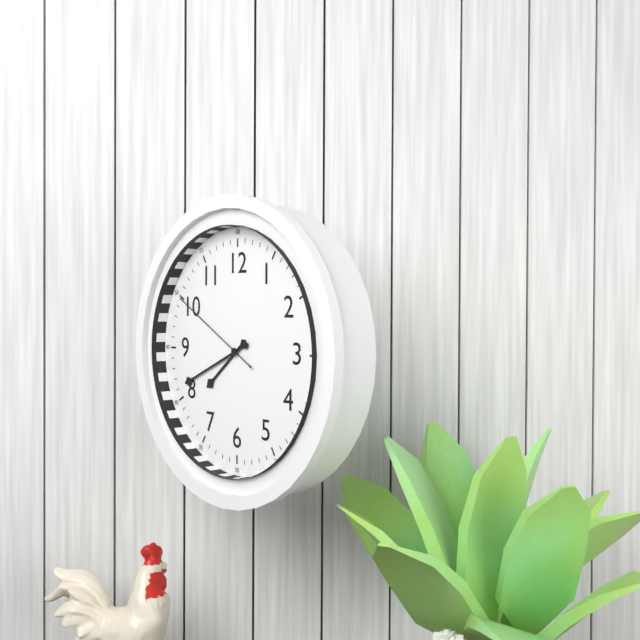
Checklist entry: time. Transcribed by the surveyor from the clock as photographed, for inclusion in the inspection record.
7:41:50
